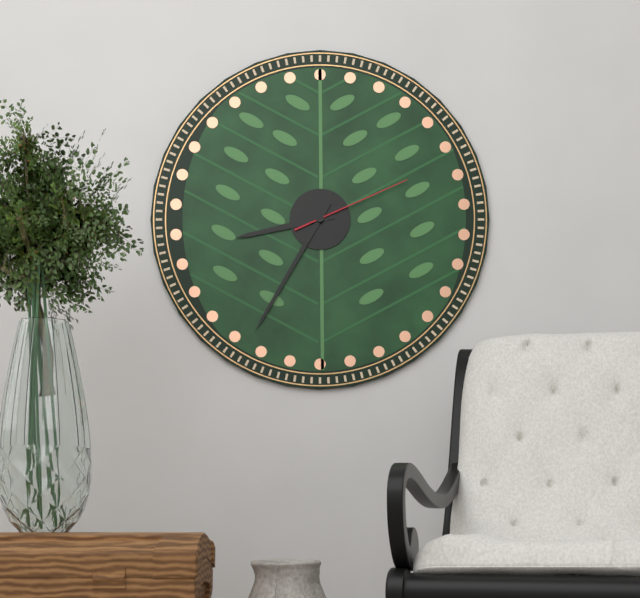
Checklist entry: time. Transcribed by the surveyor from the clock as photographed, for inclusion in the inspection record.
8:35:11
